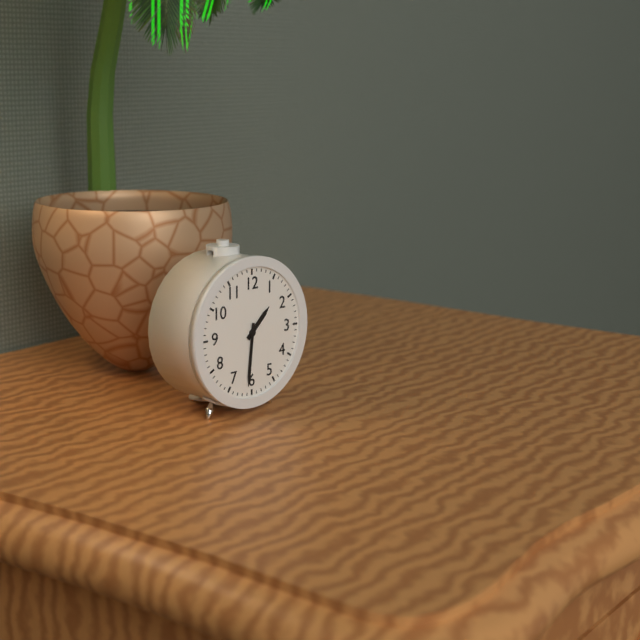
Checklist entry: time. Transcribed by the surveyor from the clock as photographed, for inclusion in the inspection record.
1:31
